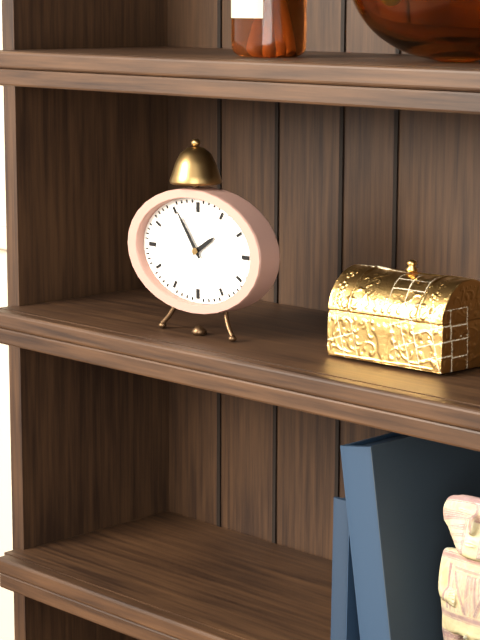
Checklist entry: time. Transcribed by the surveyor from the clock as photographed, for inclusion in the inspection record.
1:54
